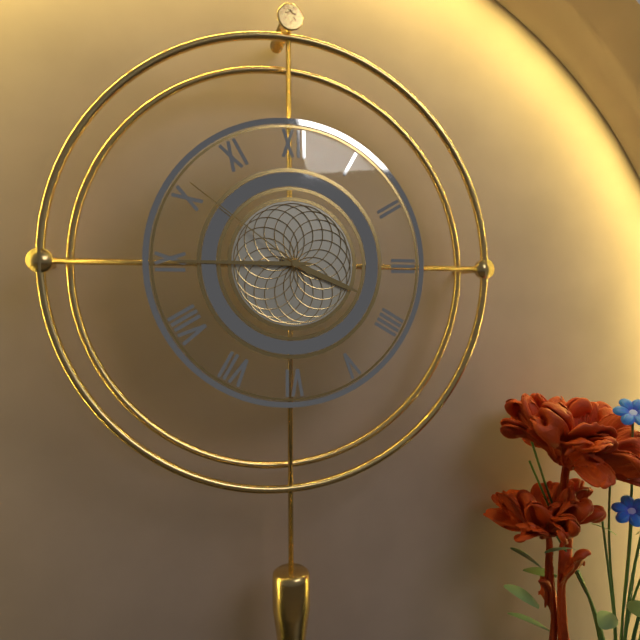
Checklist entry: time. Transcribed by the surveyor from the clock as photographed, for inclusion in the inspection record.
3:45:51
